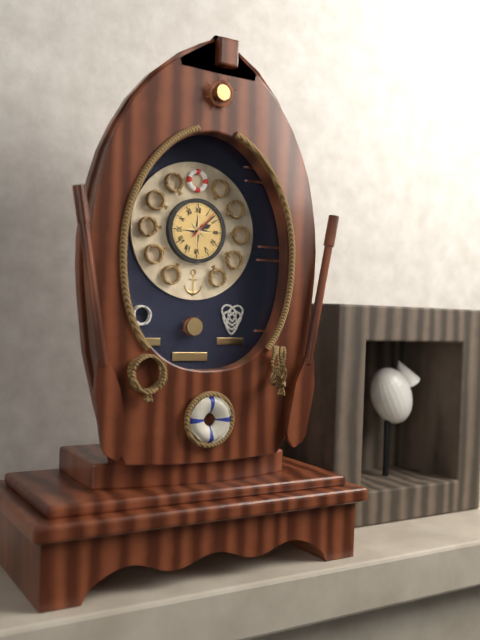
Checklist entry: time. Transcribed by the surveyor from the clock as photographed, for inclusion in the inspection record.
2:08
